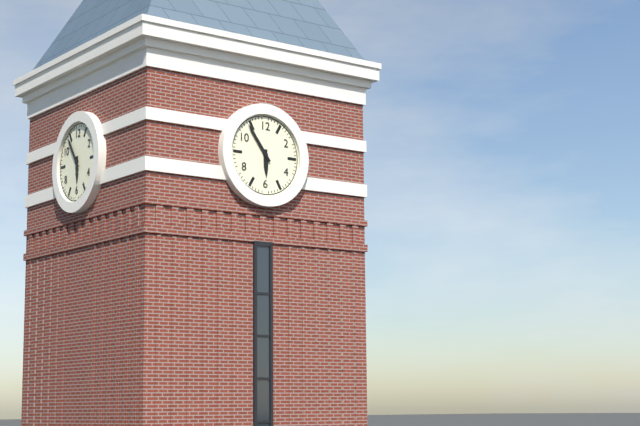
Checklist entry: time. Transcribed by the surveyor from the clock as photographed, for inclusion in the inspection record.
5:54
